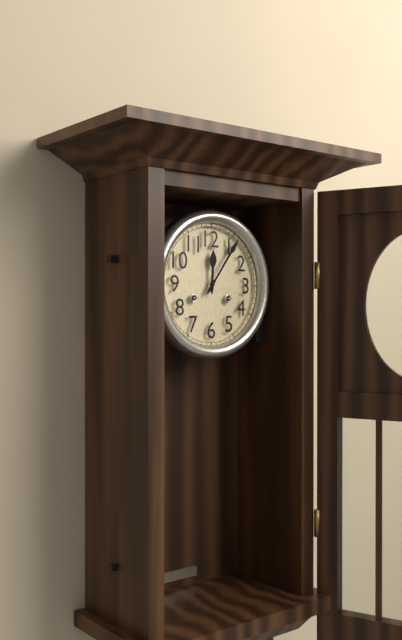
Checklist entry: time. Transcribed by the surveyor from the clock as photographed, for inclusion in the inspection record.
12:06
